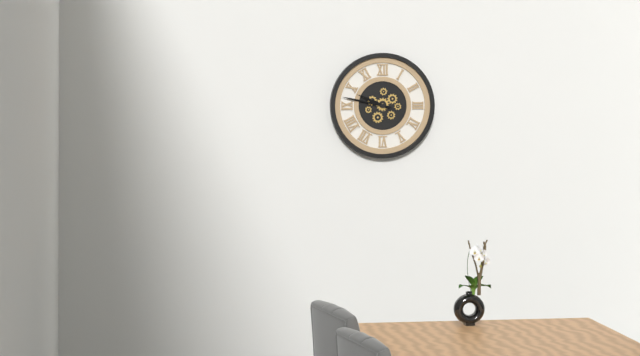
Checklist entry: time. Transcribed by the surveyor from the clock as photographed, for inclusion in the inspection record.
9:47
